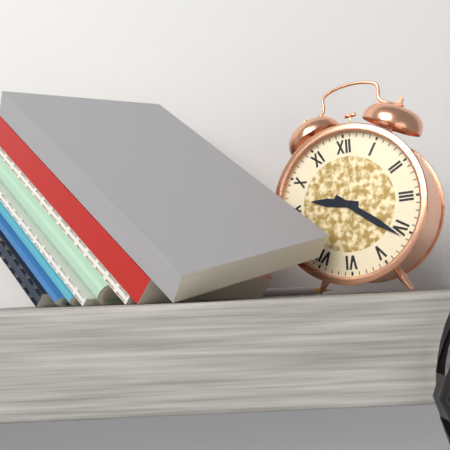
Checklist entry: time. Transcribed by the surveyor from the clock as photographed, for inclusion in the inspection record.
9:21
